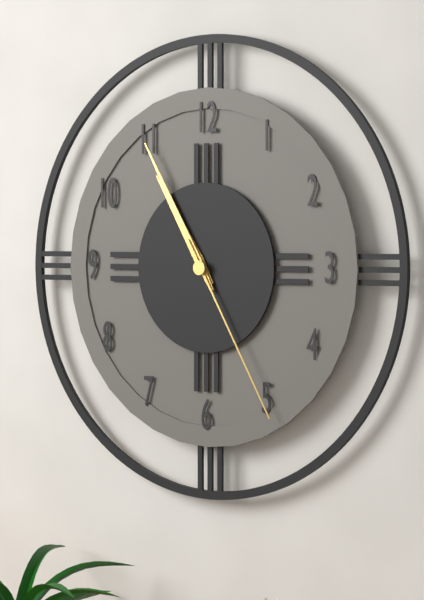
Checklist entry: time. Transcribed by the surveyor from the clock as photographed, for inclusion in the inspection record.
10:55:25
